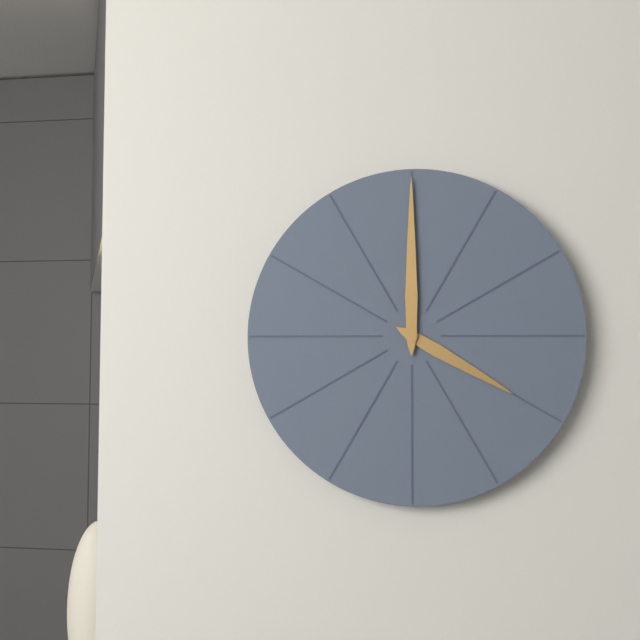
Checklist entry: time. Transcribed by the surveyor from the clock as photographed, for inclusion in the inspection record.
4:00
